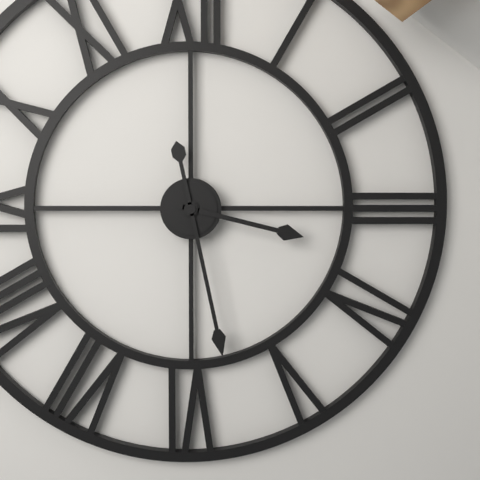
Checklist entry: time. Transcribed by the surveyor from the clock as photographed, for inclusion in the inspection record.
3:28
